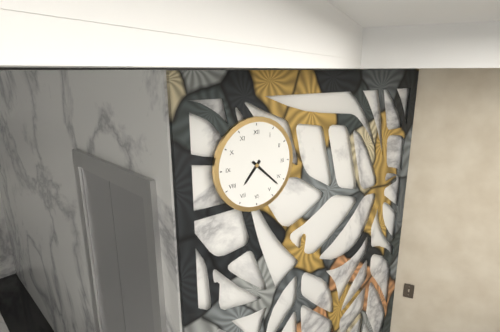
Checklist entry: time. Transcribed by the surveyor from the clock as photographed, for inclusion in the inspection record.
7:22
